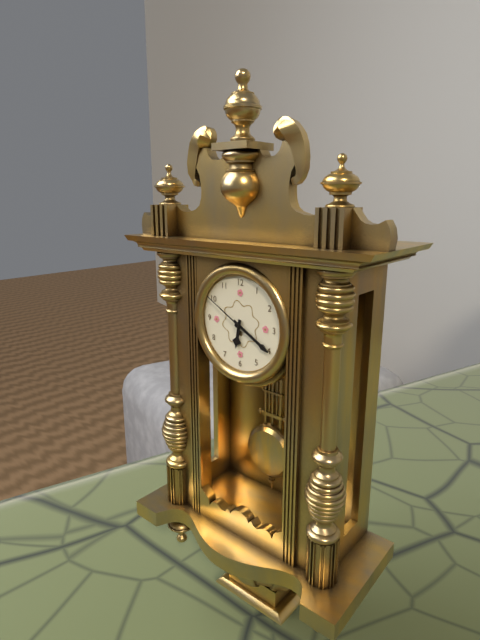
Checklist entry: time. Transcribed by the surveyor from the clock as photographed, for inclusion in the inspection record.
6:20:50
